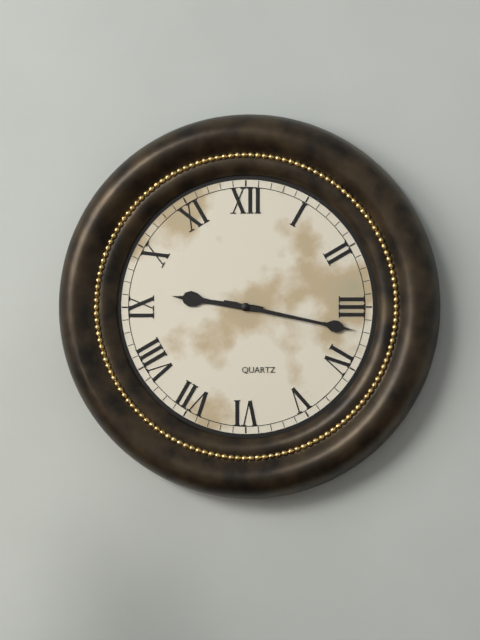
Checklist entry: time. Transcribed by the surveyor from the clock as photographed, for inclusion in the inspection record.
9:17
